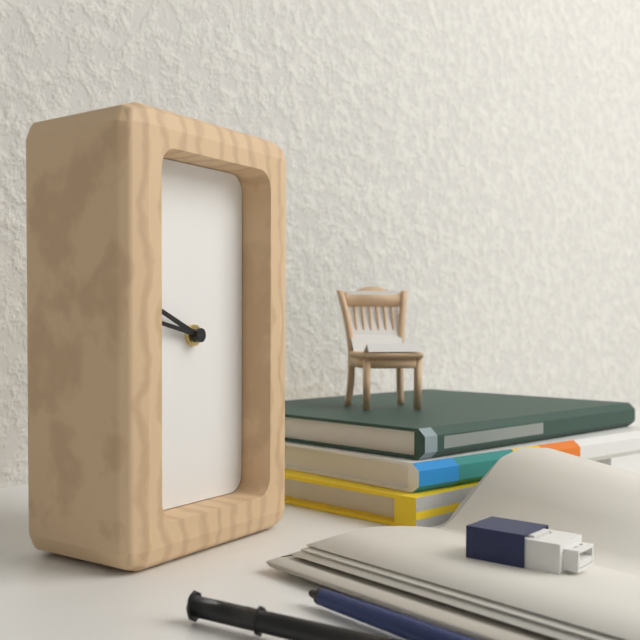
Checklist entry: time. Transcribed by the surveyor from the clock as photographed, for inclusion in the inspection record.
9:47
